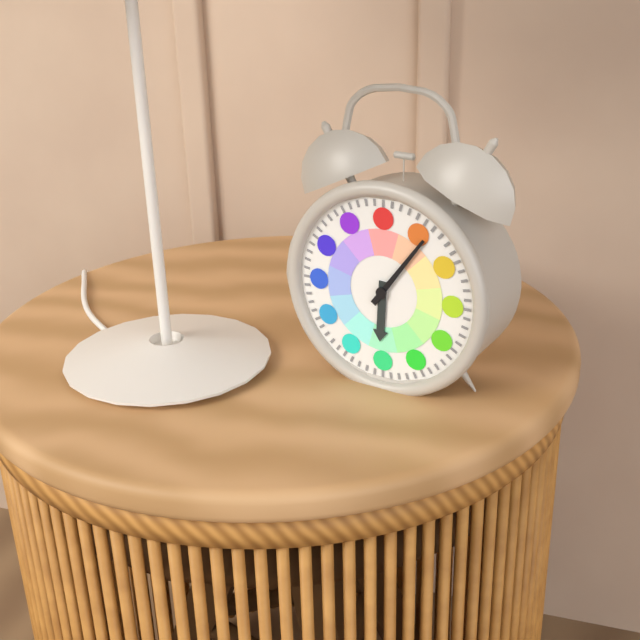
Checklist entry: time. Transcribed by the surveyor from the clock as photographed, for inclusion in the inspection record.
6:06
